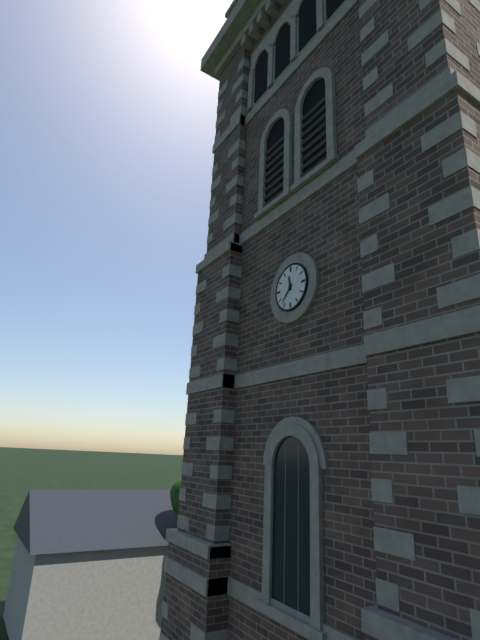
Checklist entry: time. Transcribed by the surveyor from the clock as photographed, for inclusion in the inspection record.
11:37
